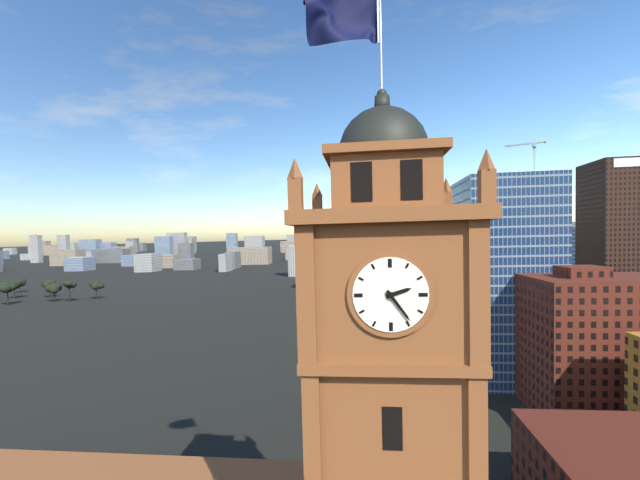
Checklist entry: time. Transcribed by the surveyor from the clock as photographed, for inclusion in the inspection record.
2:24
